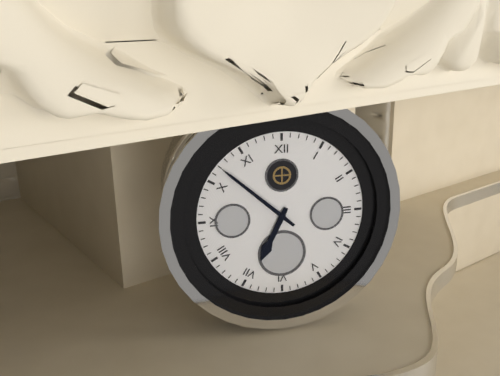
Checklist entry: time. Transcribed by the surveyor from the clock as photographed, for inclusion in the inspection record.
6:52
